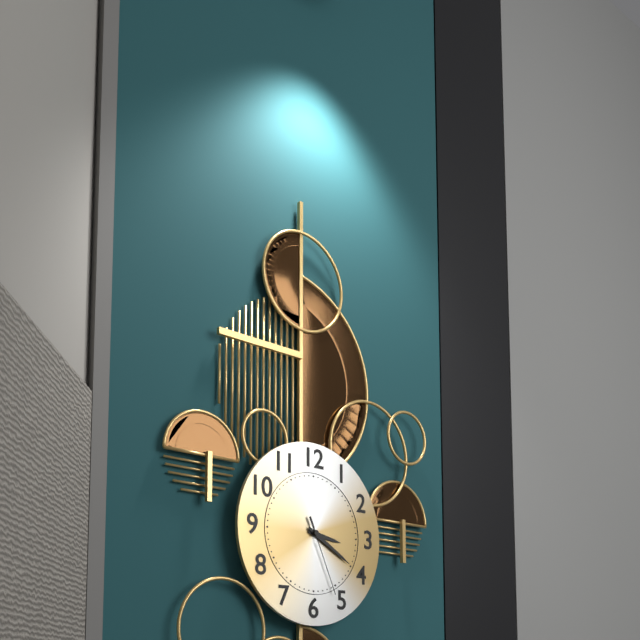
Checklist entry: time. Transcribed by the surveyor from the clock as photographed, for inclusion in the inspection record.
3:20:26
